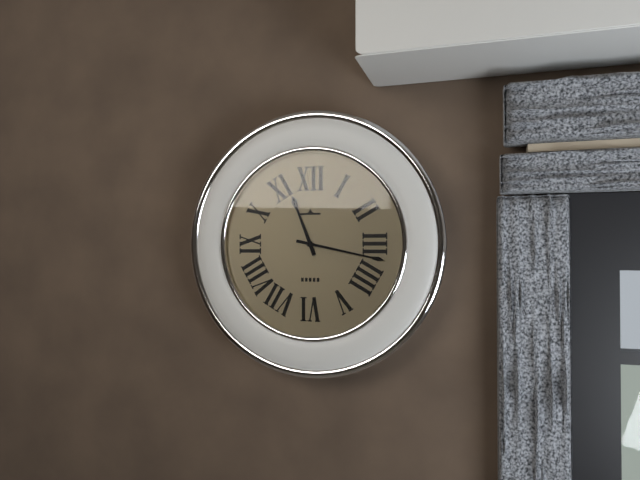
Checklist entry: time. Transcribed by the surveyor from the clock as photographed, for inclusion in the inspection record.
11:17
